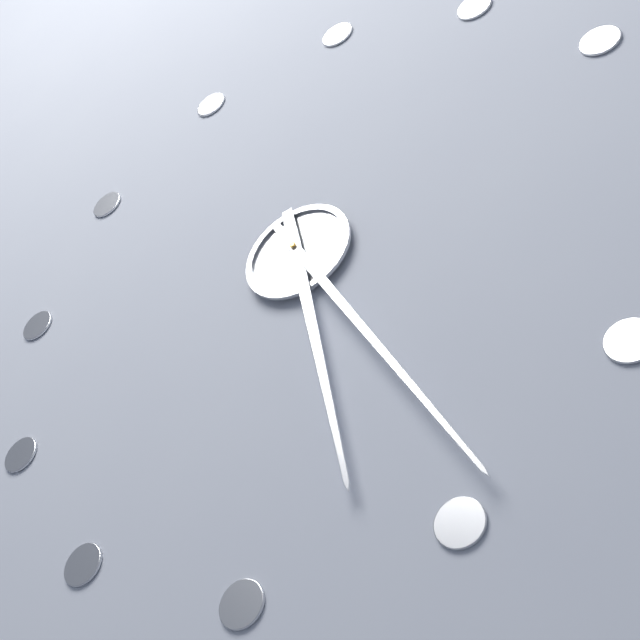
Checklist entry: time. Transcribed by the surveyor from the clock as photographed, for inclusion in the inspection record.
5:24
